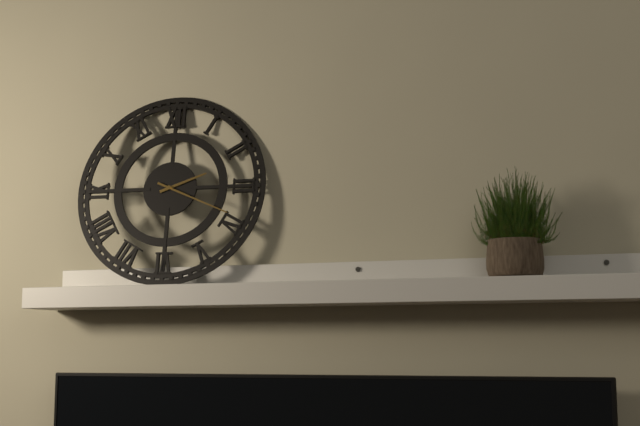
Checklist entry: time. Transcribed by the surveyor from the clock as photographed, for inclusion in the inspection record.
2:19
